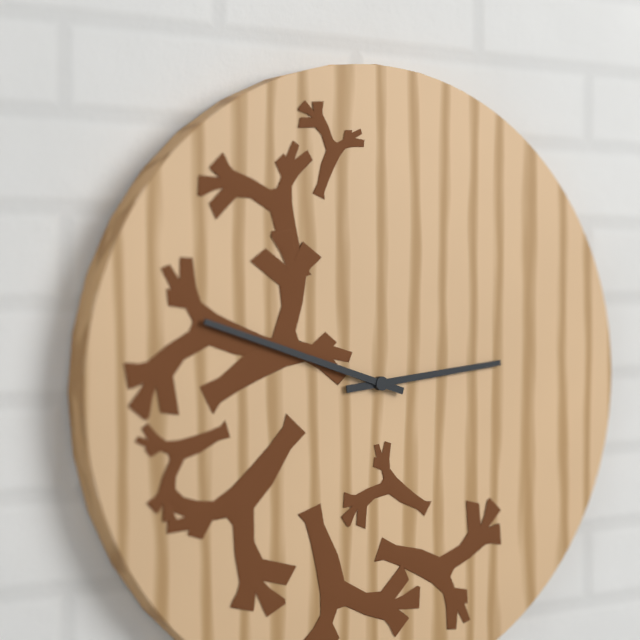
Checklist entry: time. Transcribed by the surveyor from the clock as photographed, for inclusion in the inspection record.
2:48
